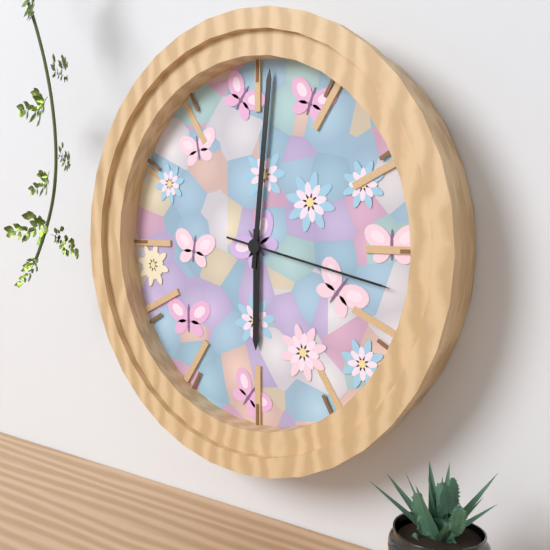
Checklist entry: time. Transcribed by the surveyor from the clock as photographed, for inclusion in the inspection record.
6:01:17
